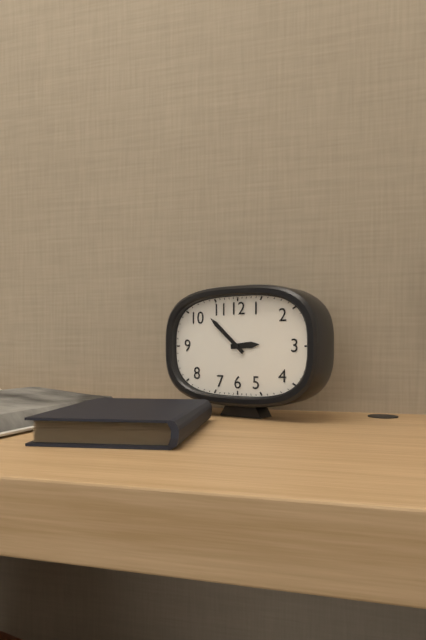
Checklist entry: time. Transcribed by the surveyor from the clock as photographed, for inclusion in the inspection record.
2:52
